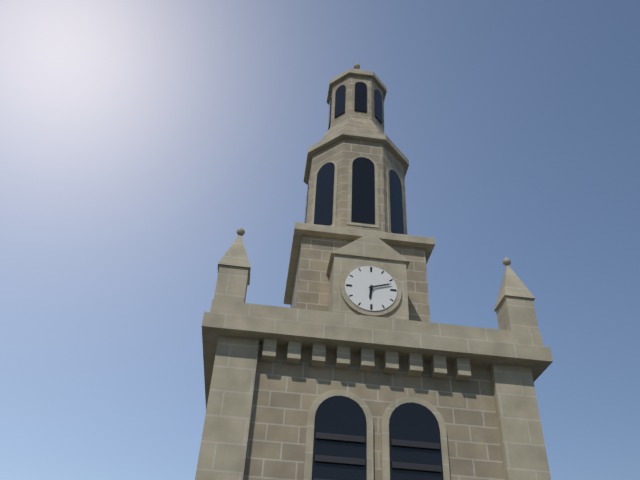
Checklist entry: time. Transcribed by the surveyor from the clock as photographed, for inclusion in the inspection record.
6:12
